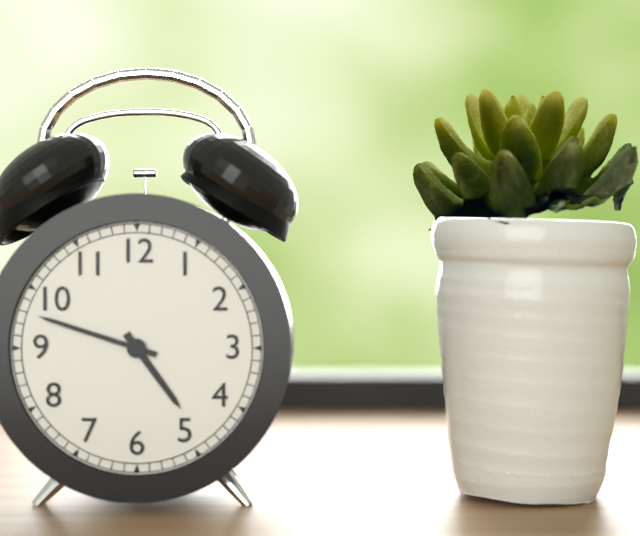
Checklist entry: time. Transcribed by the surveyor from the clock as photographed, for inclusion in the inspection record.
4:48
